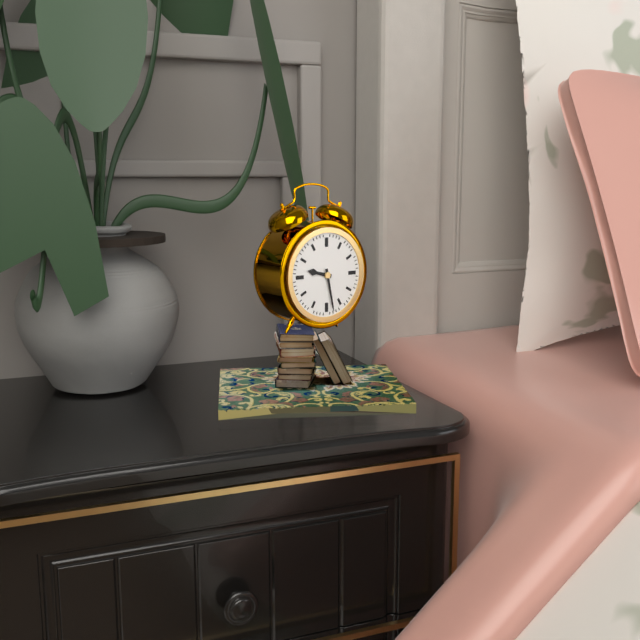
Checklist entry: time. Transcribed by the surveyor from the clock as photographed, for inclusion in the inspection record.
9:28
